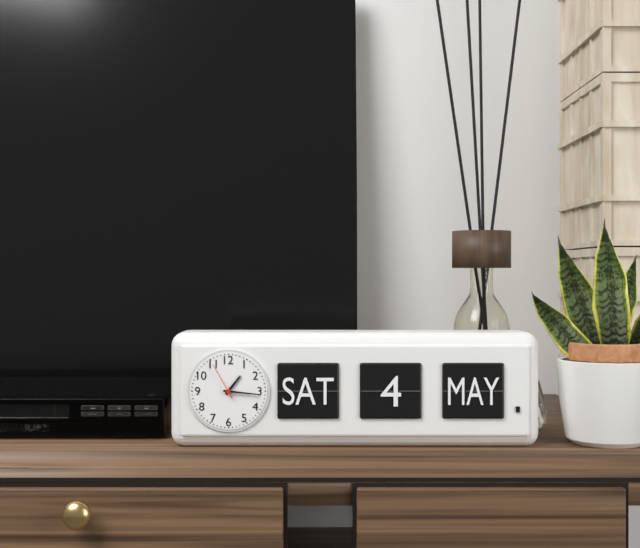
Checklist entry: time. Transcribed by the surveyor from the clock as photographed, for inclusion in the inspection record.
1:16
